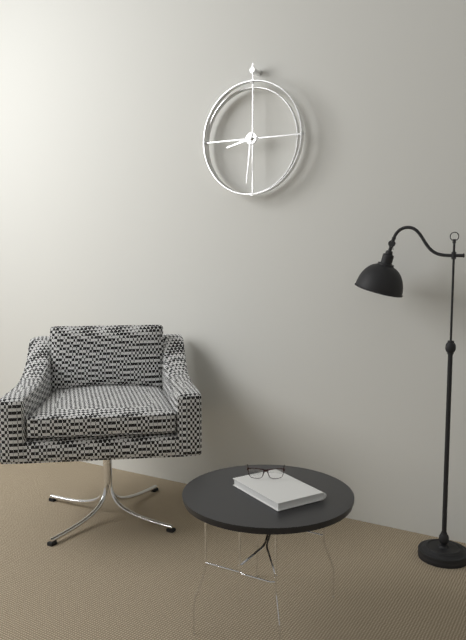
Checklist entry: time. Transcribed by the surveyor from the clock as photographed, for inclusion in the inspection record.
8:31
